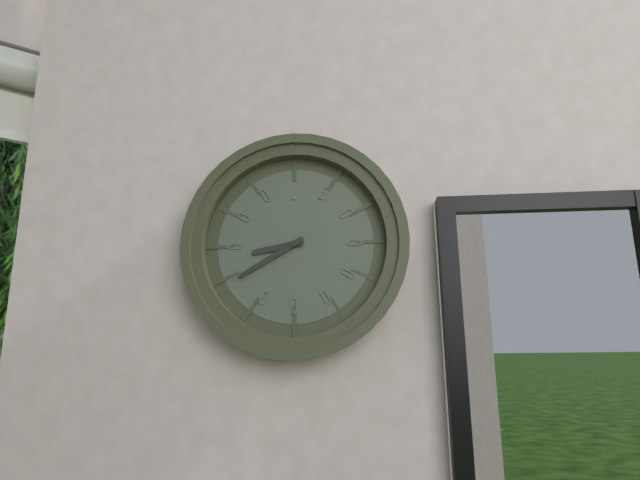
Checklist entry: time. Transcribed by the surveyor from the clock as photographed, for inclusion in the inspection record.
8:40
